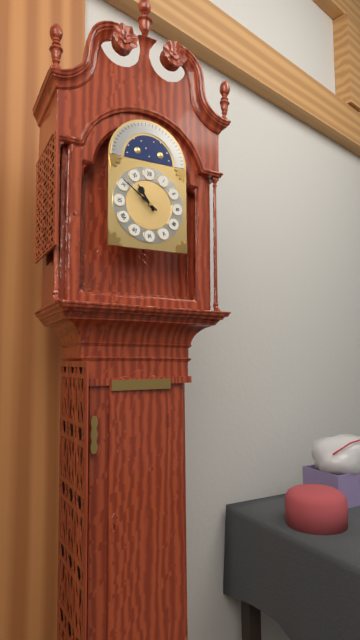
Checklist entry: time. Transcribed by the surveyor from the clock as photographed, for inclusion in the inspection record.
10:51
